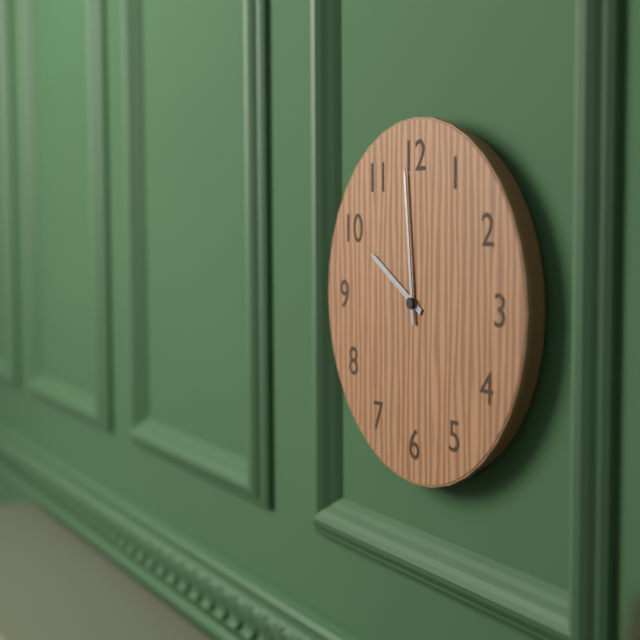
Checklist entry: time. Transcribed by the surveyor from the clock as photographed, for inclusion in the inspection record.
9:59
